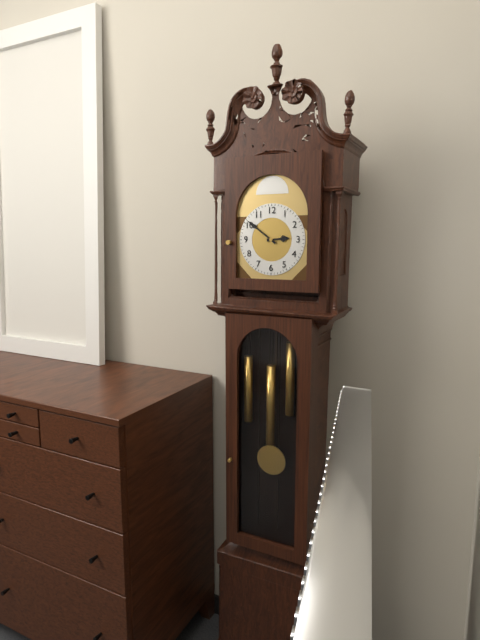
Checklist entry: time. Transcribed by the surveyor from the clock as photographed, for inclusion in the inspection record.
2:51
